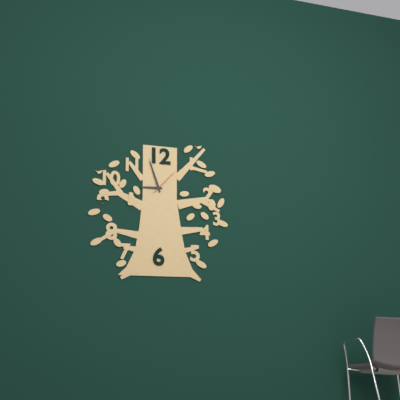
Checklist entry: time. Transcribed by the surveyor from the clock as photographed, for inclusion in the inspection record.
8:57
